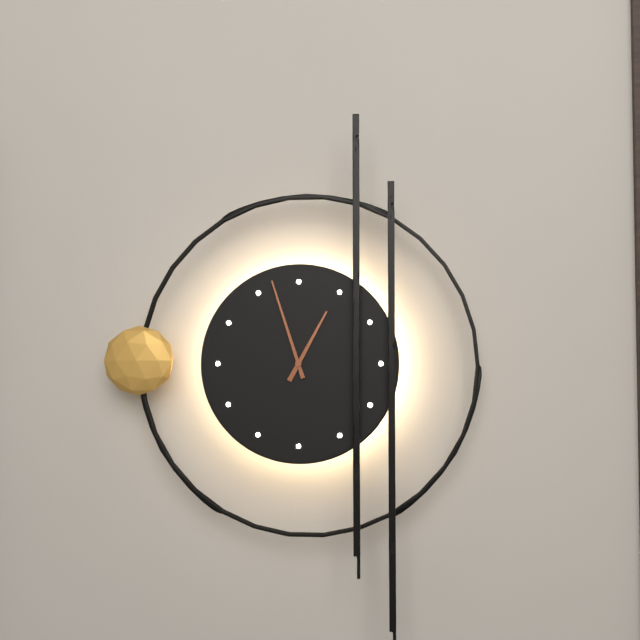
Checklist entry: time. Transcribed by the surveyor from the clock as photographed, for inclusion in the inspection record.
12:57
